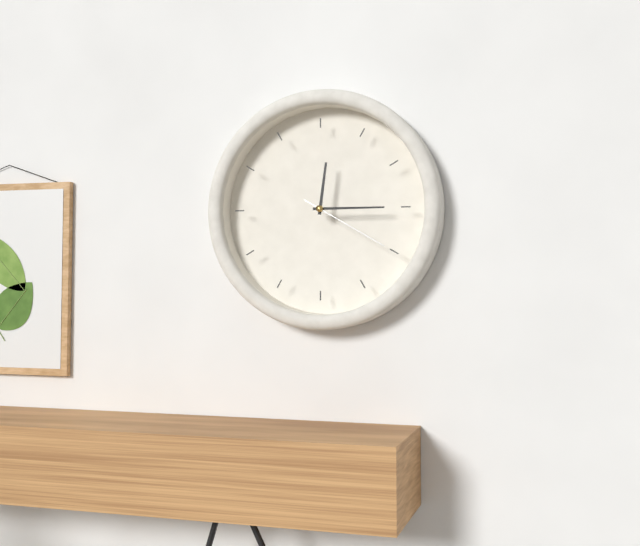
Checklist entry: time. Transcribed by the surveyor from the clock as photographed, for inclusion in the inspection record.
12:15:20
